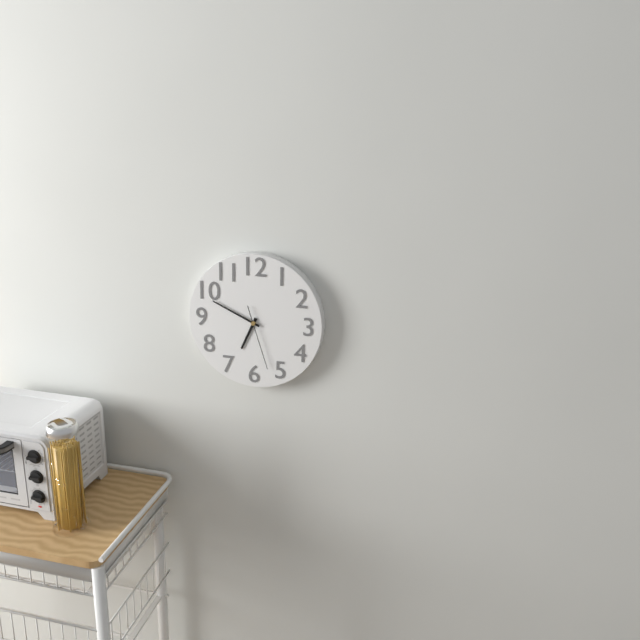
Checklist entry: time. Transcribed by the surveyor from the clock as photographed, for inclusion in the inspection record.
6:49:27
